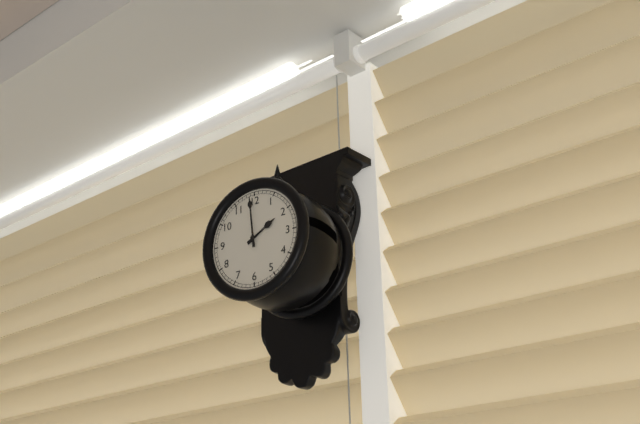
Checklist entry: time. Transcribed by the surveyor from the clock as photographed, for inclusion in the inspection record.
1:59
